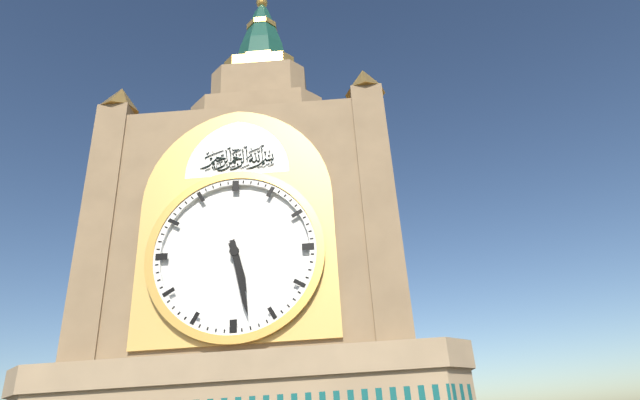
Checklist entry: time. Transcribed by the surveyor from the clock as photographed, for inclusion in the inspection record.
5:28
